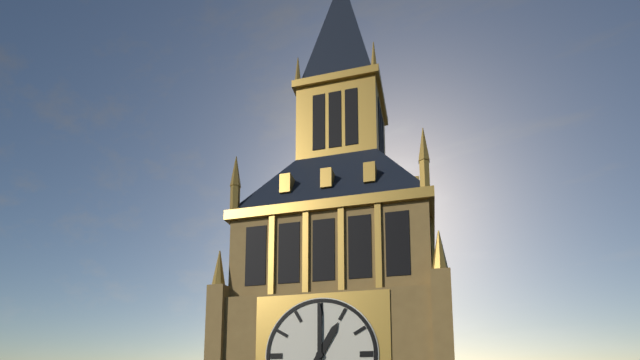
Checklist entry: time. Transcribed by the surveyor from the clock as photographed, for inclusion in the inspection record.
1:00
